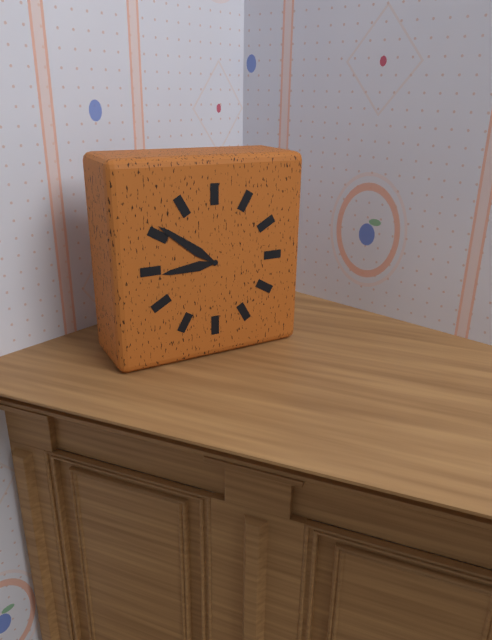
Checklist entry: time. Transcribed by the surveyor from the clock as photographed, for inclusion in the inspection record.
8:51
